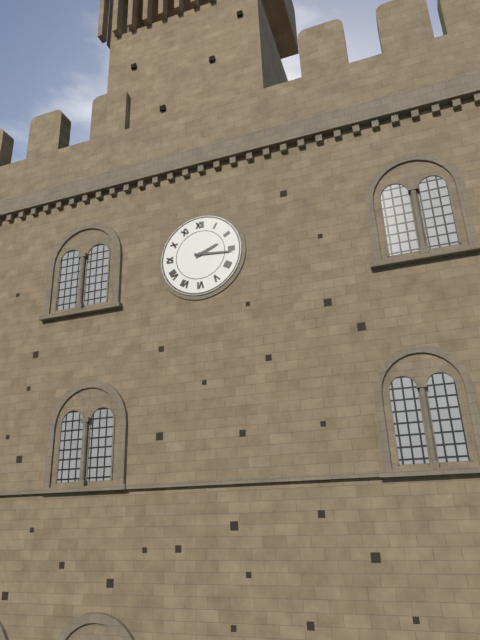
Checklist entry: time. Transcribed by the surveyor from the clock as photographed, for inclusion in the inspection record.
2:16
